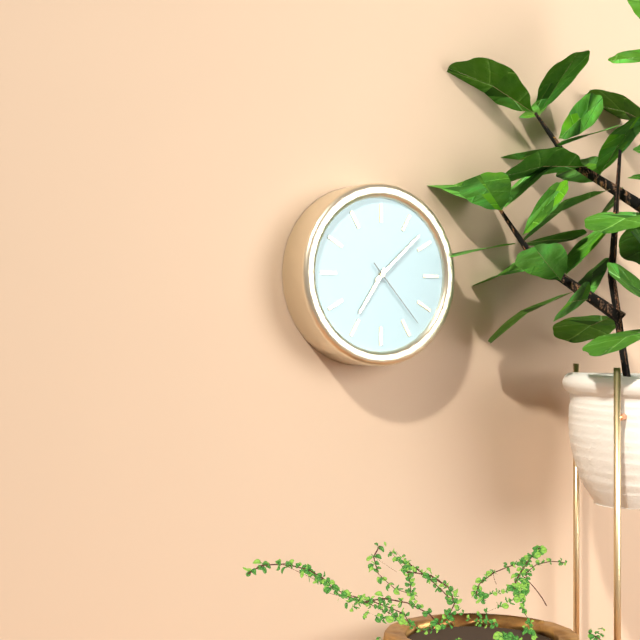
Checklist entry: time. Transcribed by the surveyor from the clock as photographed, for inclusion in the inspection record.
7:08:23
